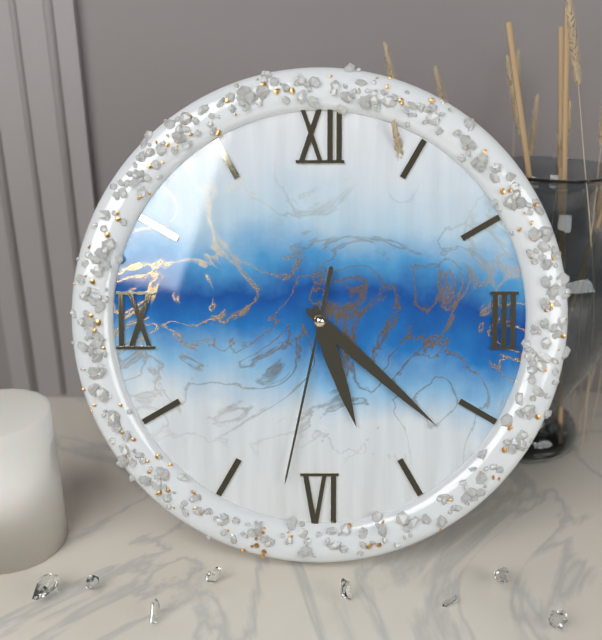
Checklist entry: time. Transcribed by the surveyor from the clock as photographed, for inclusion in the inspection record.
5:22:32
